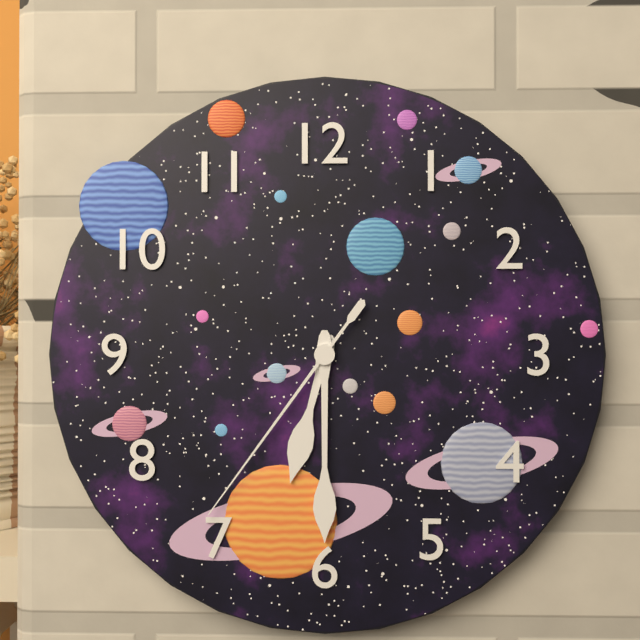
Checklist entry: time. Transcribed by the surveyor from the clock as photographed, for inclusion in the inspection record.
6:30:36
